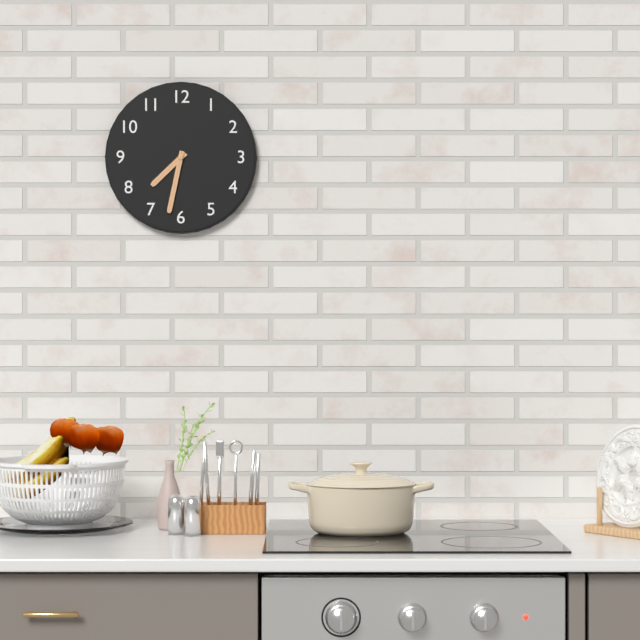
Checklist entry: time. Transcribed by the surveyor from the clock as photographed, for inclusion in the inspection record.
7:32
